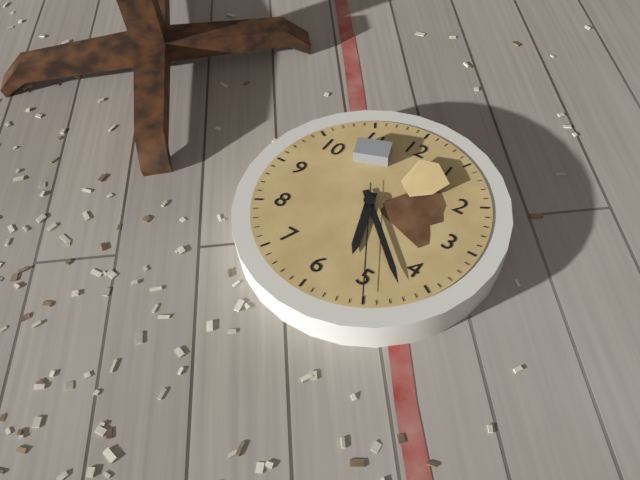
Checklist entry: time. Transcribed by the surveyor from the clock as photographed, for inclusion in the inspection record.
5:22:25
